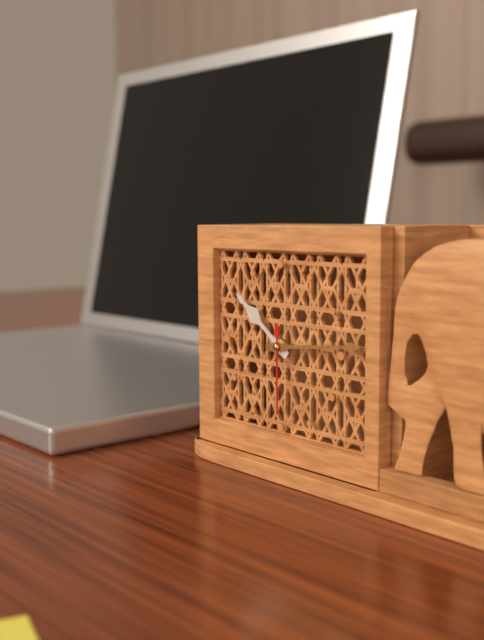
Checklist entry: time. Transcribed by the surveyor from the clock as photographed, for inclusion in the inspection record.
10:14:30
